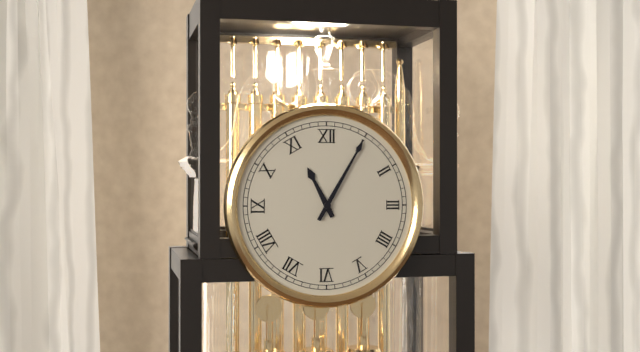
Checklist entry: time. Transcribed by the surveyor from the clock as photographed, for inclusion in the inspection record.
11:05
